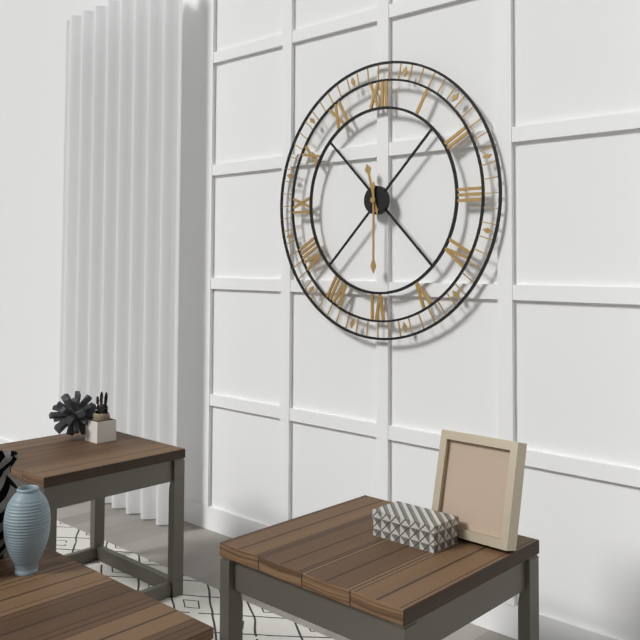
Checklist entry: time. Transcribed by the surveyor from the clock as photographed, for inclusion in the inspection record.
11:30
